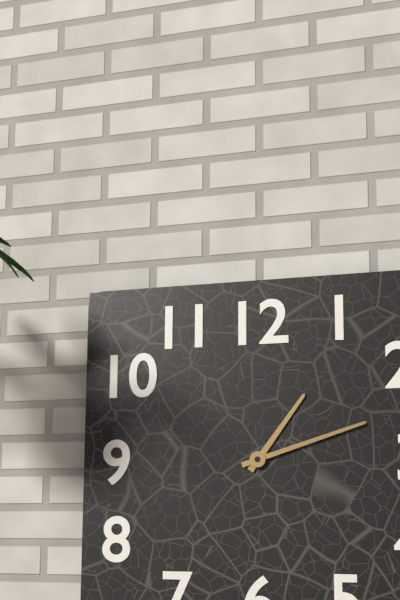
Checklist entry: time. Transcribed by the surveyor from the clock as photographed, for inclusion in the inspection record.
1:12
